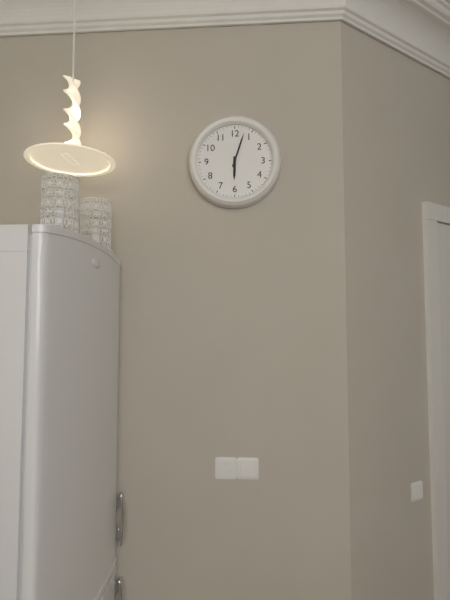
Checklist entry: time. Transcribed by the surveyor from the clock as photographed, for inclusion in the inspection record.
6:03
